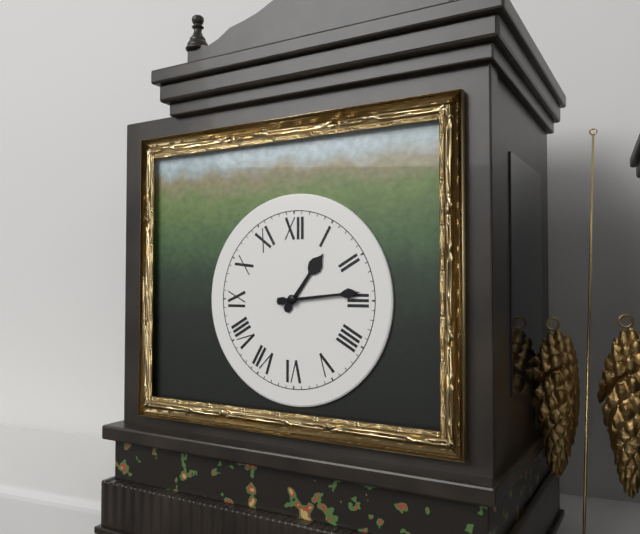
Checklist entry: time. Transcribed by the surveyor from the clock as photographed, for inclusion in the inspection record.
1:14
